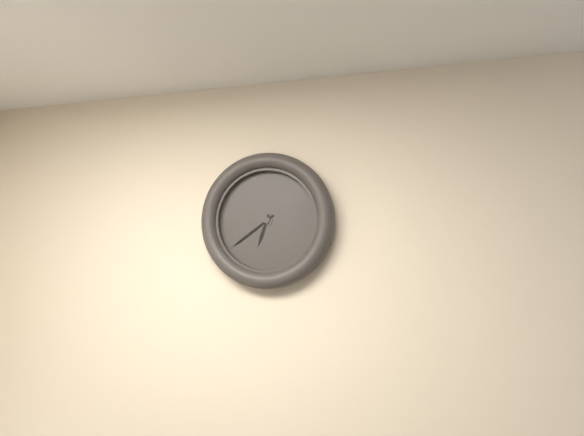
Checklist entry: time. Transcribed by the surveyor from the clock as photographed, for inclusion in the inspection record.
6:39
